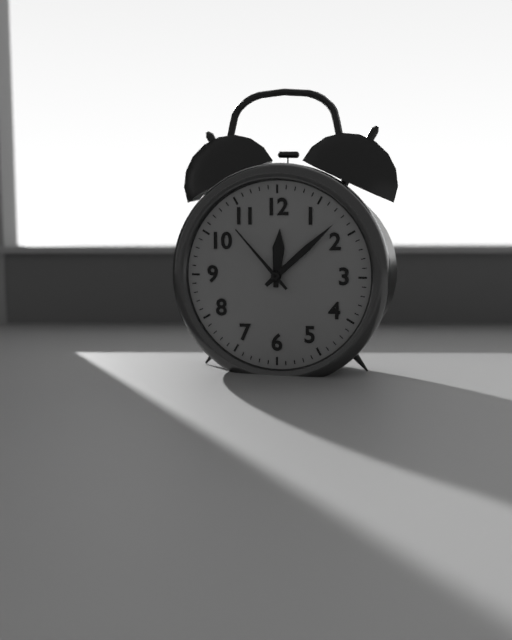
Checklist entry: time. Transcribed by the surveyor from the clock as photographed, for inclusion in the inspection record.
12:08:53
